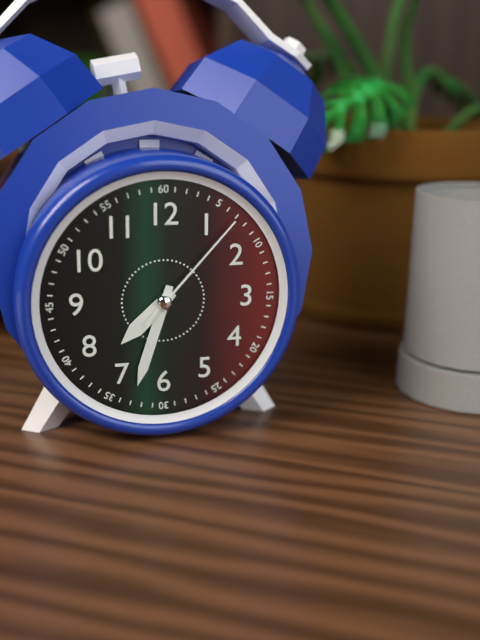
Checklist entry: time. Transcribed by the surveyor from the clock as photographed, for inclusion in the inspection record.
7:33:07
